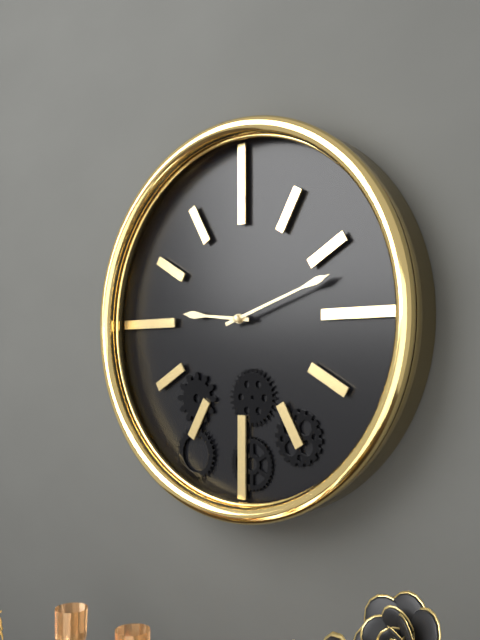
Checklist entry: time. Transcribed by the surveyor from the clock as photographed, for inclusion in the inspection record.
9:12
